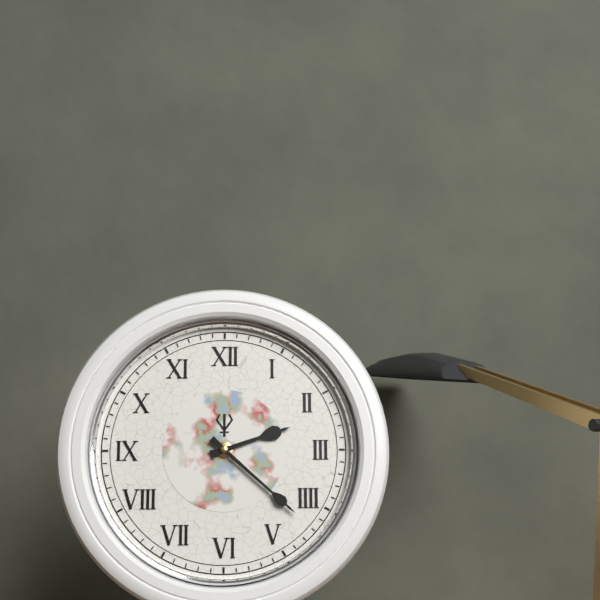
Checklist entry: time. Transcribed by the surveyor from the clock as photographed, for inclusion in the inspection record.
2:22
